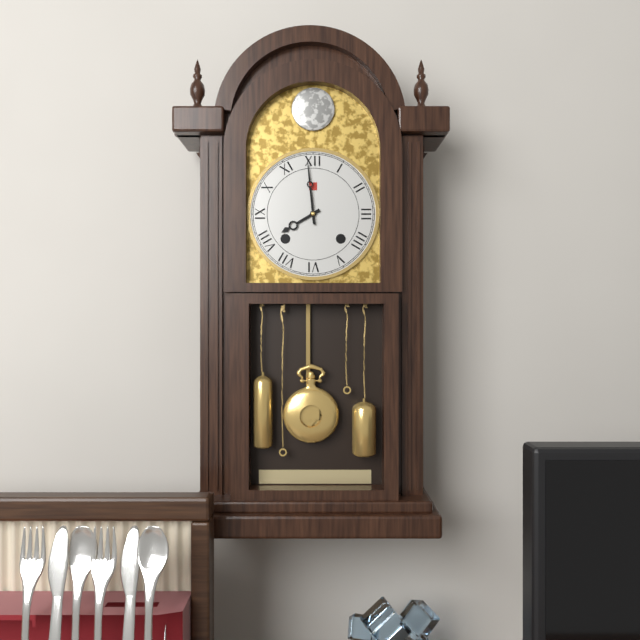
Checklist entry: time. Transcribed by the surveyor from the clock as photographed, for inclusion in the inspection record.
7:59
